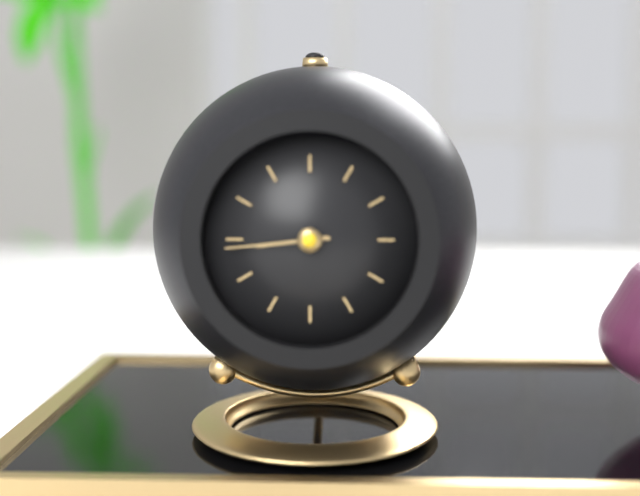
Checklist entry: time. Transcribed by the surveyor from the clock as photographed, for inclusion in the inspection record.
8:44
